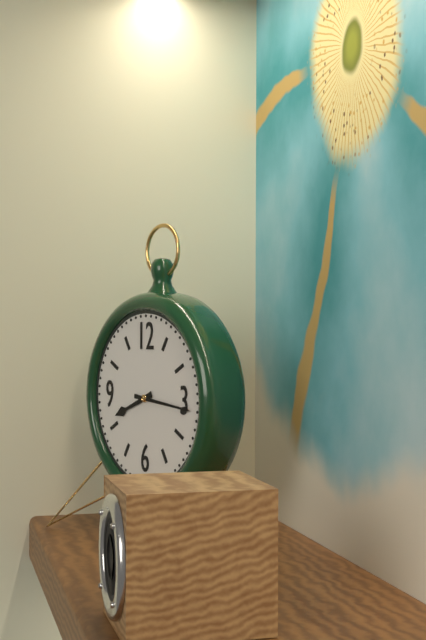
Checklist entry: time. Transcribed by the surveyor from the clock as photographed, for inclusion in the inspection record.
8:16
